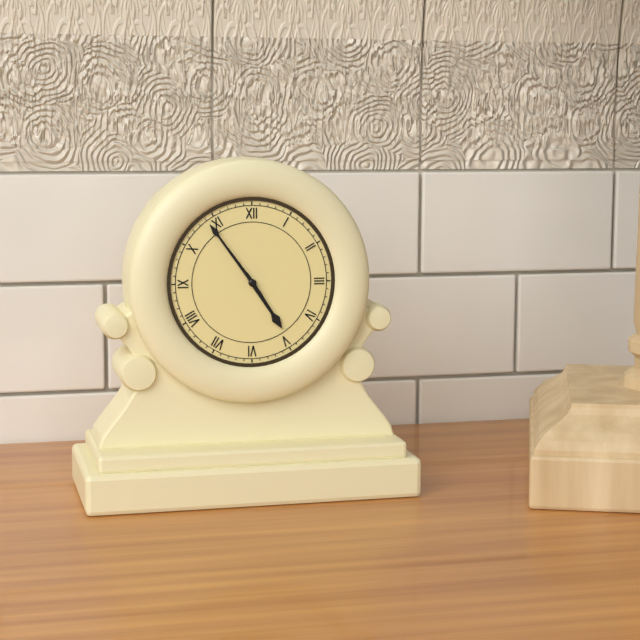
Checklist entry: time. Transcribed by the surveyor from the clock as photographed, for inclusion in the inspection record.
4:54
